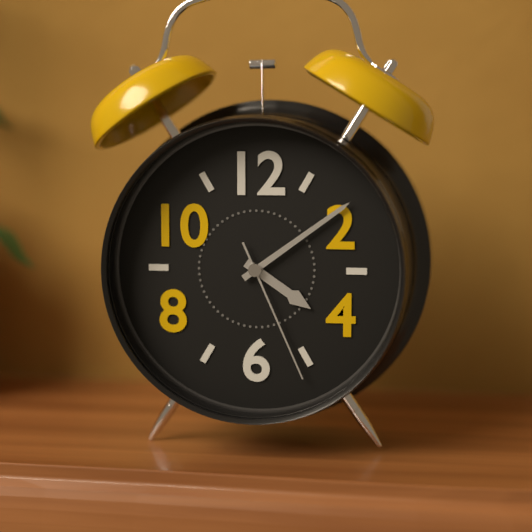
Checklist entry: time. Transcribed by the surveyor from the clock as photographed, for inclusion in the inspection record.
4:09:26
